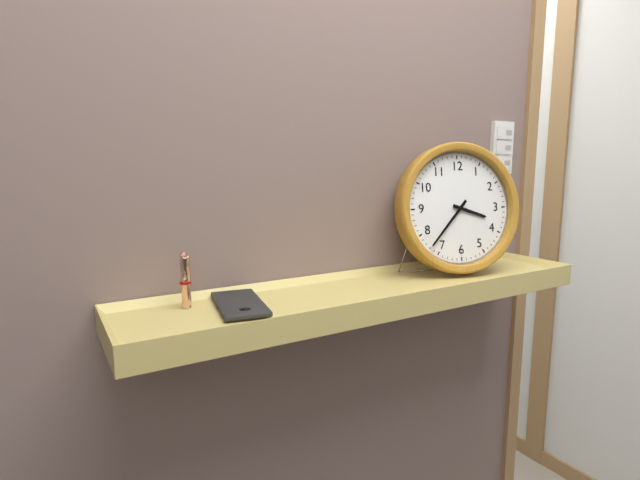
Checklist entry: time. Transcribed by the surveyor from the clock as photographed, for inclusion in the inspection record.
3:37
